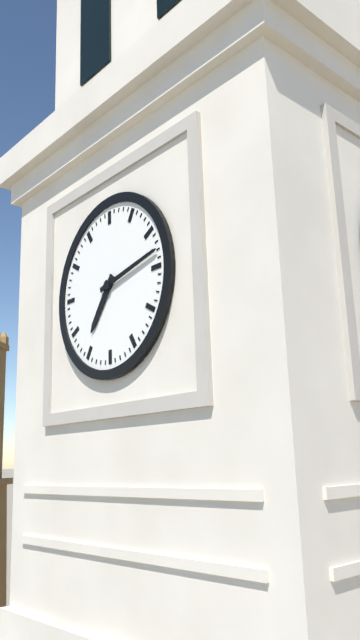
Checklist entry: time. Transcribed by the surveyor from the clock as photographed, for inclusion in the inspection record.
7:13
